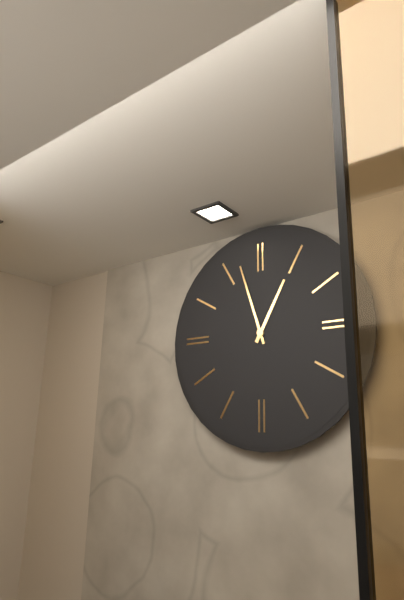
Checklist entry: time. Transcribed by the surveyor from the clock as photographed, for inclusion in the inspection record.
12:57
